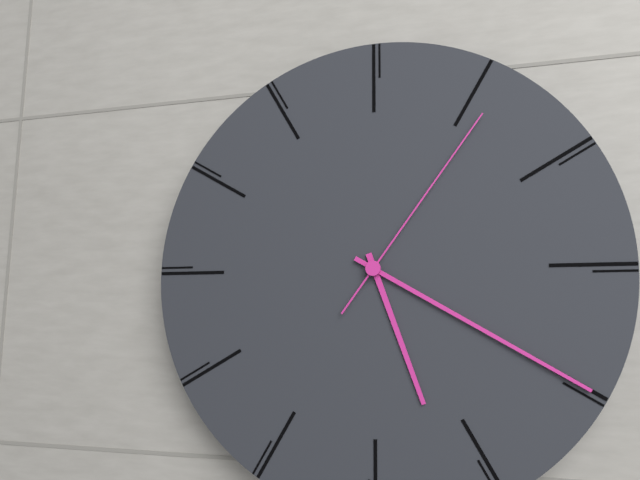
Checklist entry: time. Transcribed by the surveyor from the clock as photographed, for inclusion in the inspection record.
5:20:06
